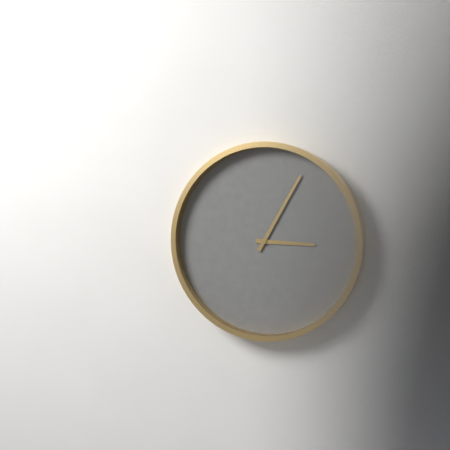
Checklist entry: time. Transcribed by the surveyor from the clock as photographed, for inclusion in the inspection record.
3:05
